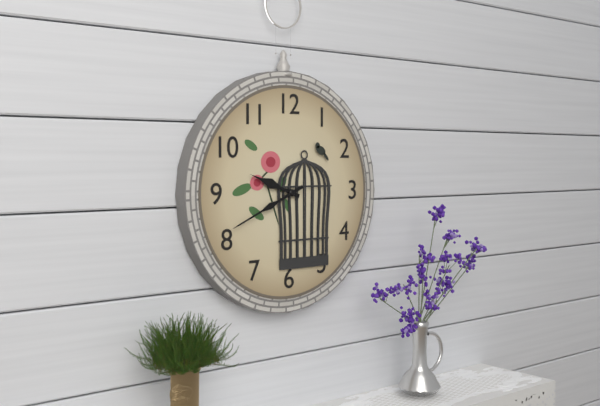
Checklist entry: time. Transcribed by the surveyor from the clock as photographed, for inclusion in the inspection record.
9:41
